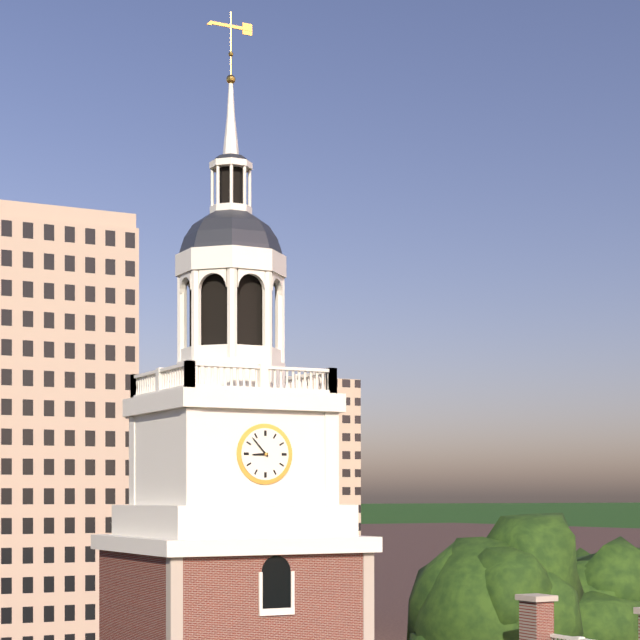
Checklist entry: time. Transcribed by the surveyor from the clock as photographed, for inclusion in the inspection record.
8:53
